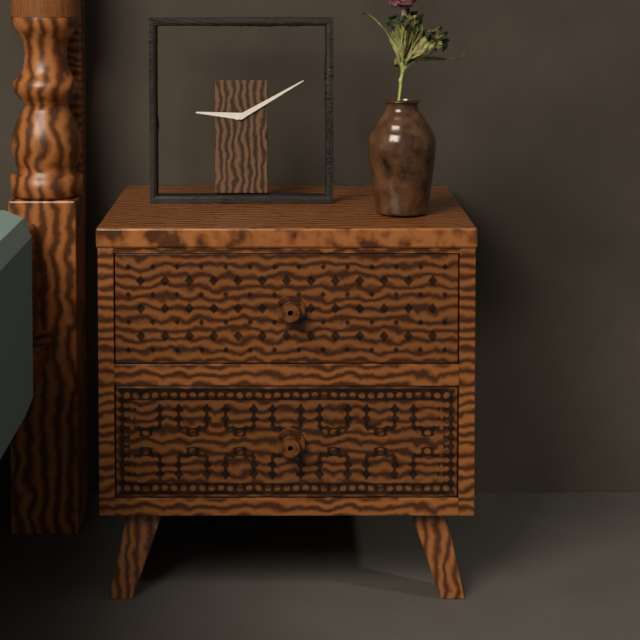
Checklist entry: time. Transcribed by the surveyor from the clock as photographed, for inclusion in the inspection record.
9:10
